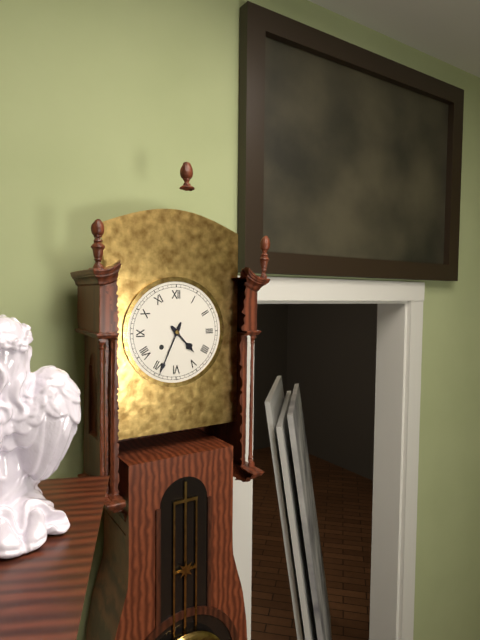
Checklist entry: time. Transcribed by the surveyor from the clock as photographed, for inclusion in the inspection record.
4:34
